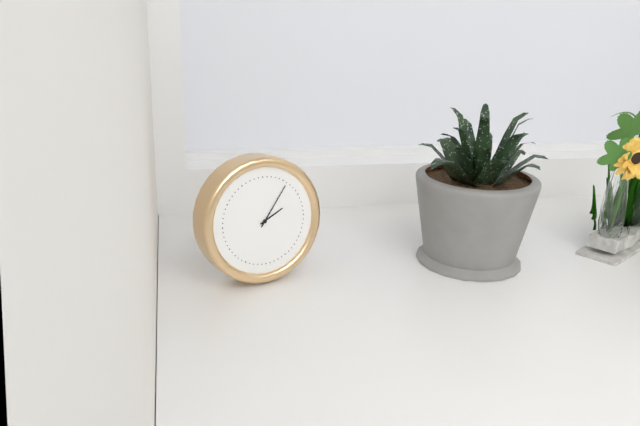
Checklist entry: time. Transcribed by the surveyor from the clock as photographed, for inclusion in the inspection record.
2:06
